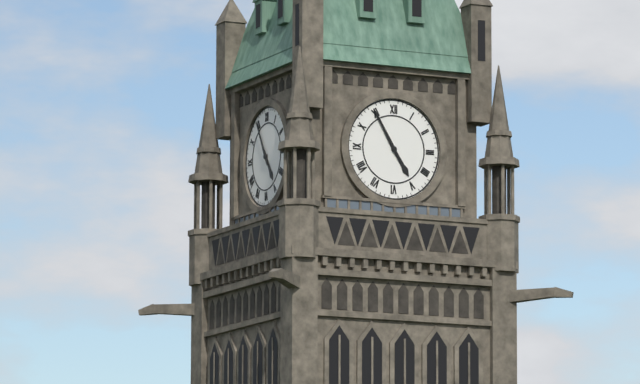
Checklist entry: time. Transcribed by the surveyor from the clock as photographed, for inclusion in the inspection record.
4:55
